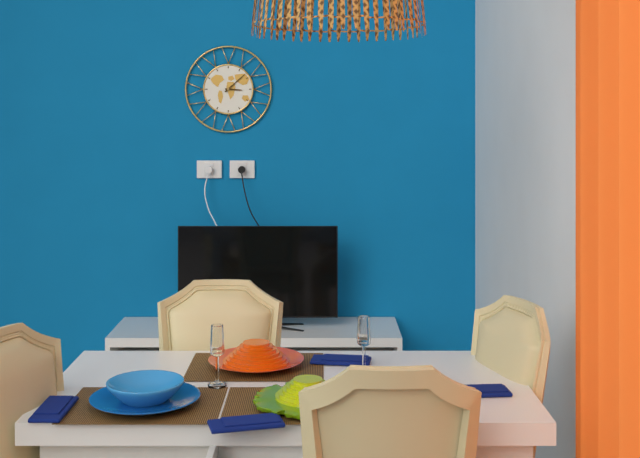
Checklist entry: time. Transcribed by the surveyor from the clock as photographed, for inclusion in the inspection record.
3:08
